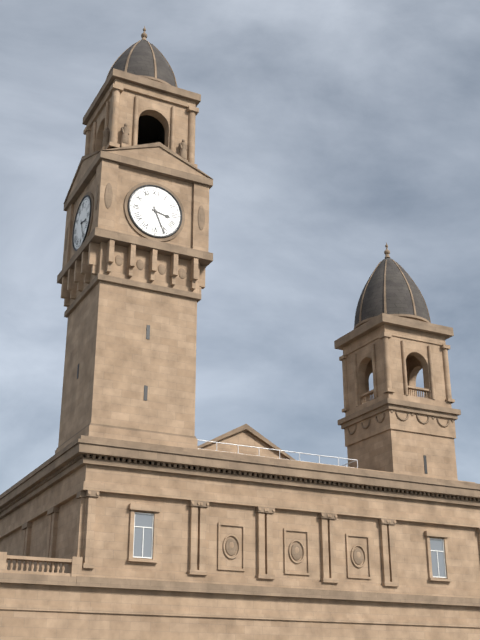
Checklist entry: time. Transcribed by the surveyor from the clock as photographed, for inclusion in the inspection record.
3:26
